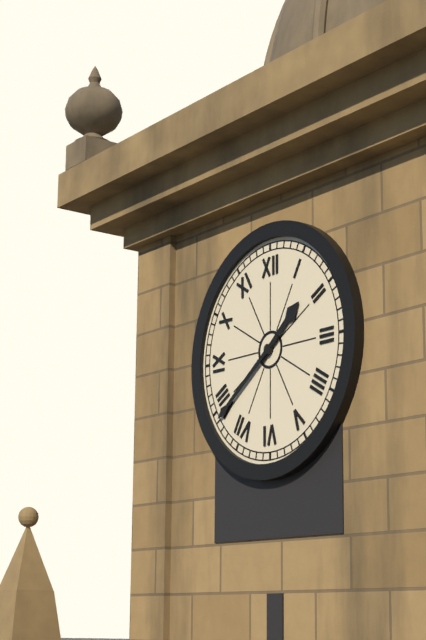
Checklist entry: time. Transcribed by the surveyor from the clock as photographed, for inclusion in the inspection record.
1:39
